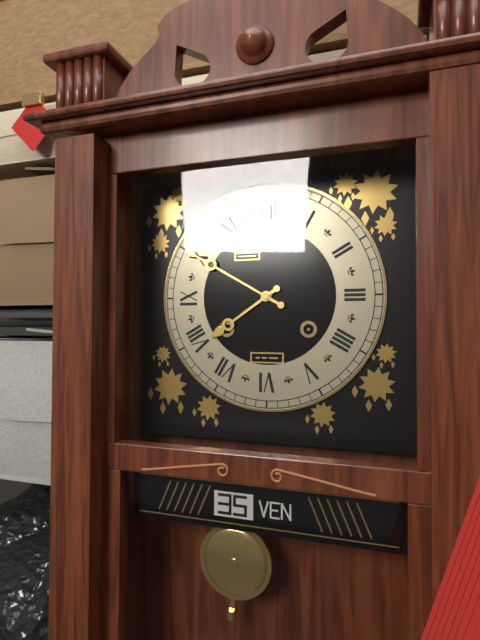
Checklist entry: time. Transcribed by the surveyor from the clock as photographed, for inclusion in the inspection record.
7:50
